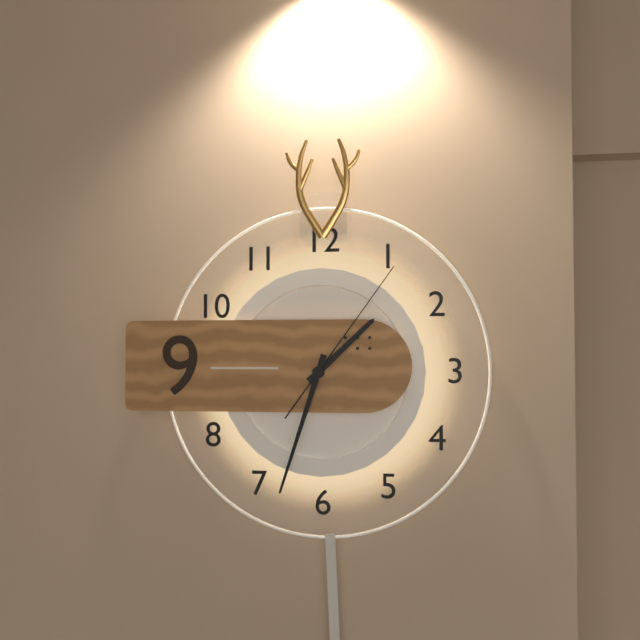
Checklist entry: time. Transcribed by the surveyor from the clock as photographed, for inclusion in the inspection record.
1:33:06
